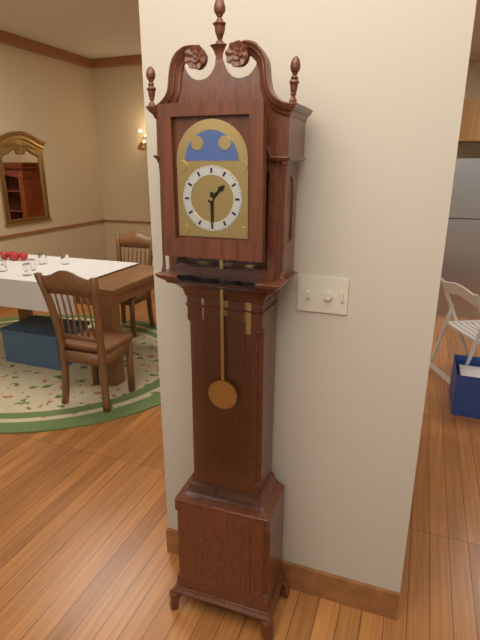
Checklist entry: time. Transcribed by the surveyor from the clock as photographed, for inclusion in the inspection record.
1:30
